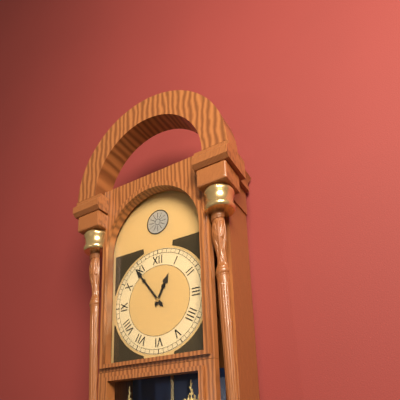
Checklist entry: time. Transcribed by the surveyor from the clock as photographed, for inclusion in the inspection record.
12:54
